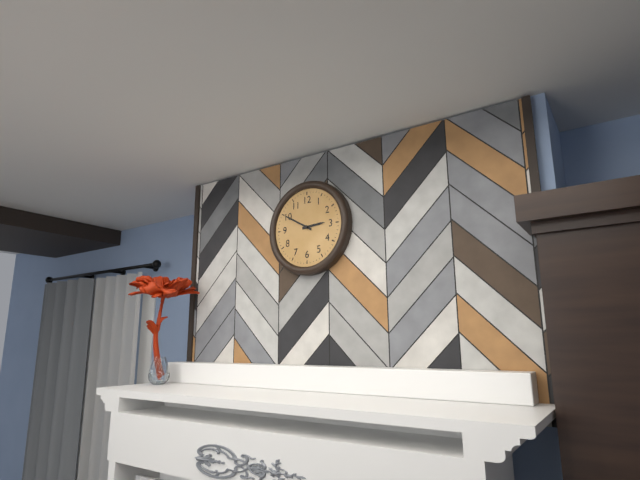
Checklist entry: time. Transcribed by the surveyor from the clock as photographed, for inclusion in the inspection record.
2:50
